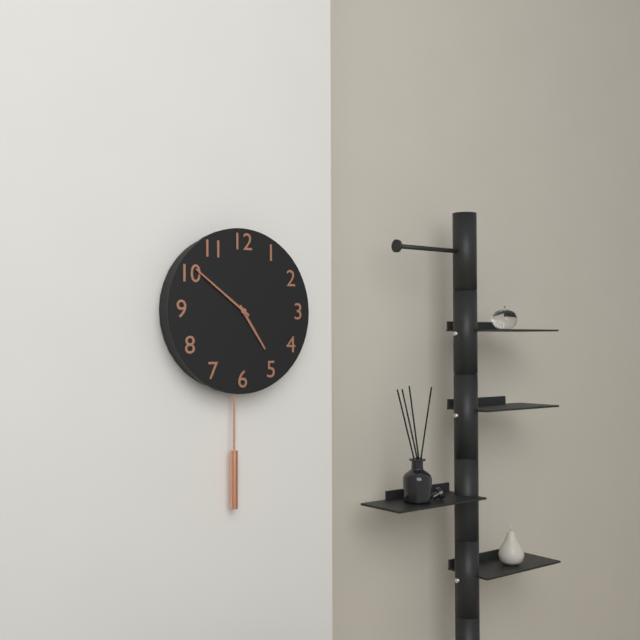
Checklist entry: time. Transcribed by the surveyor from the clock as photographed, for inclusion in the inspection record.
4:51
